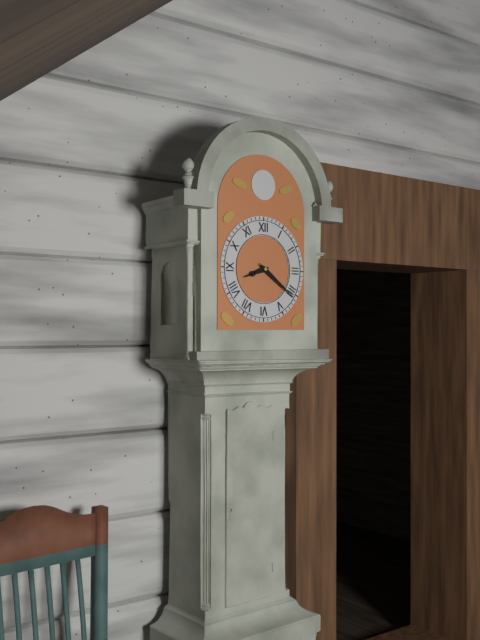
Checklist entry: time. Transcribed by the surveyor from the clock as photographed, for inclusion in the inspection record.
8:21
